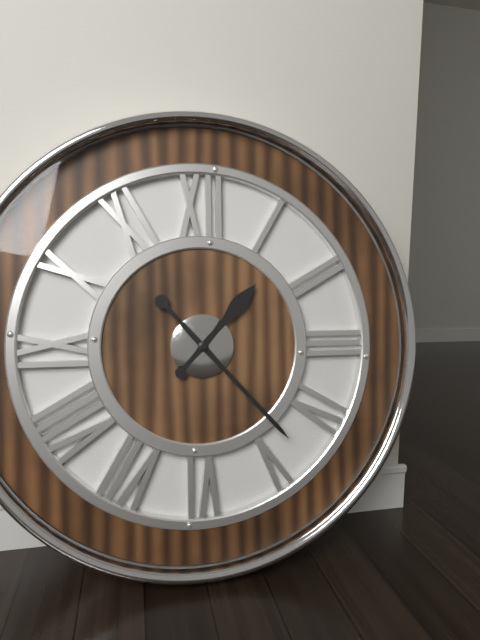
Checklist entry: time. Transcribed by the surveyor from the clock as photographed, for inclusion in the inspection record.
1:23
